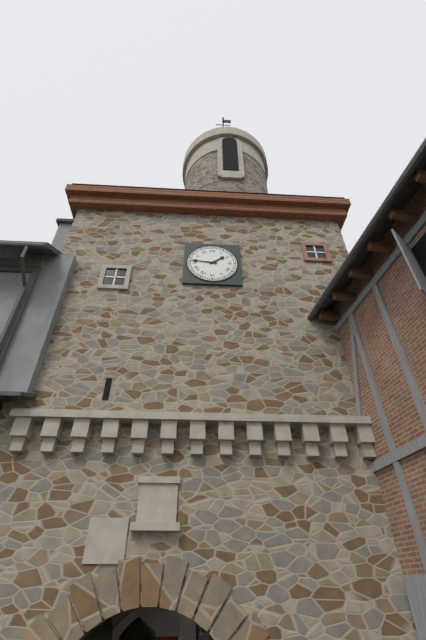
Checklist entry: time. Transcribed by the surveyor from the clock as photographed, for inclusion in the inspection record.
1:46
